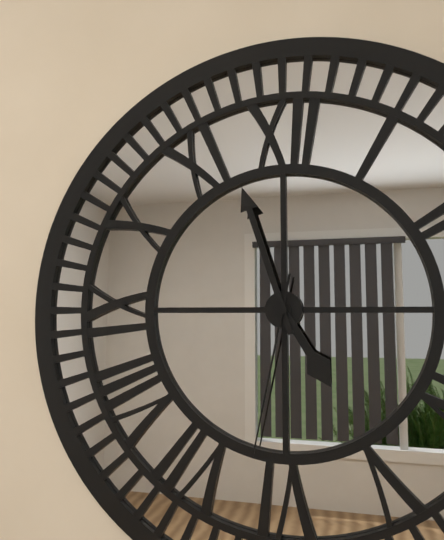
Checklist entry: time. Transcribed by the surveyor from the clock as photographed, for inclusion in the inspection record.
4:57:32
